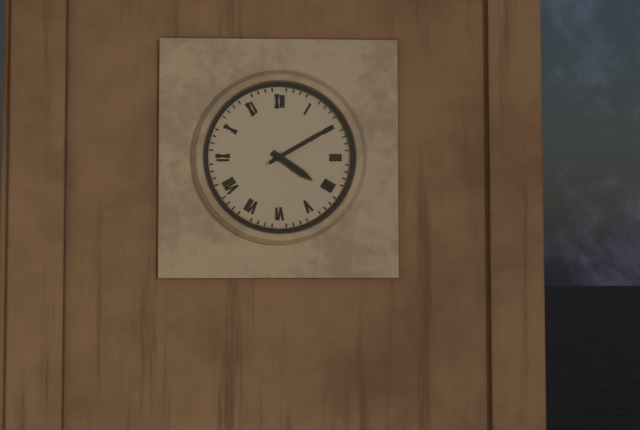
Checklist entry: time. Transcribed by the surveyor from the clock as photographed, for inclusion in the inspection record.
4:10
